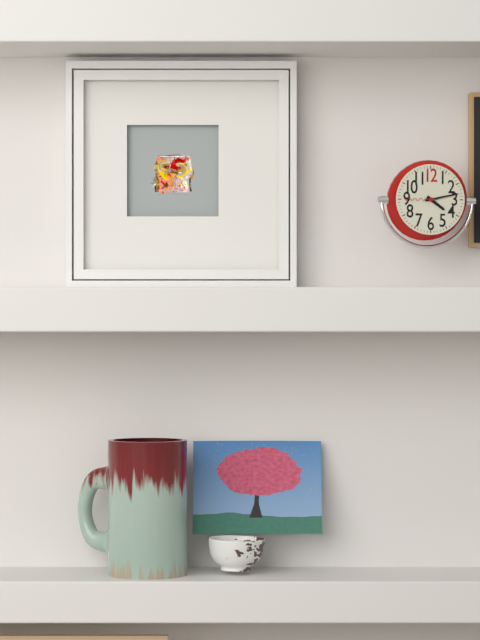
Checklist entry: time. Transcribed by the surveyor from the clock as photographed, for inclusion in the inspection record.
4:13
